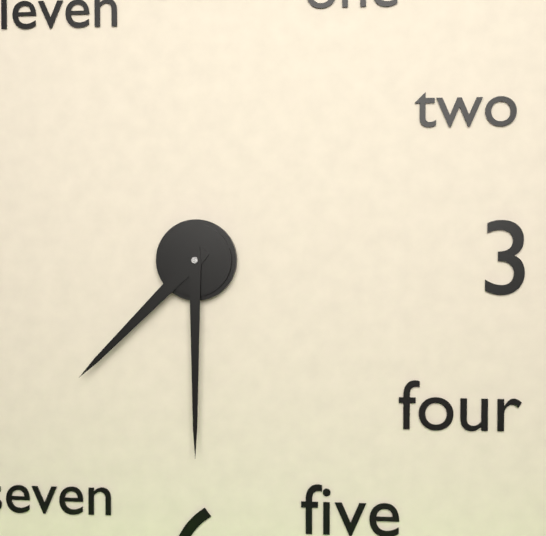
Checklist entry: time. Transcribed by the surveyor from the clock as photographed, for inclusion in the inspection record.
7:30
